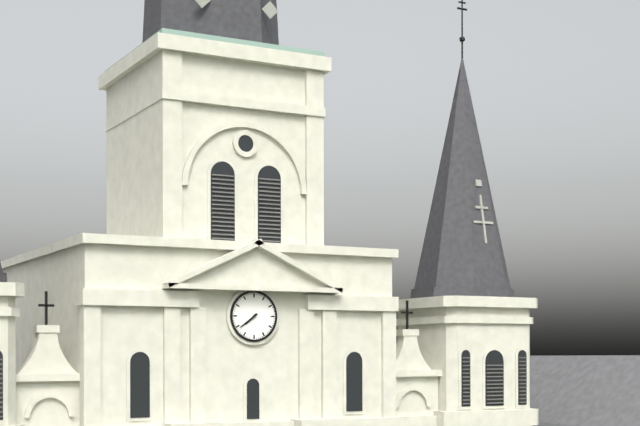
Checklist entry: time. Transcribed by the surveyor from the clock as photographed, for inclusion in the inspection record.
7:39
